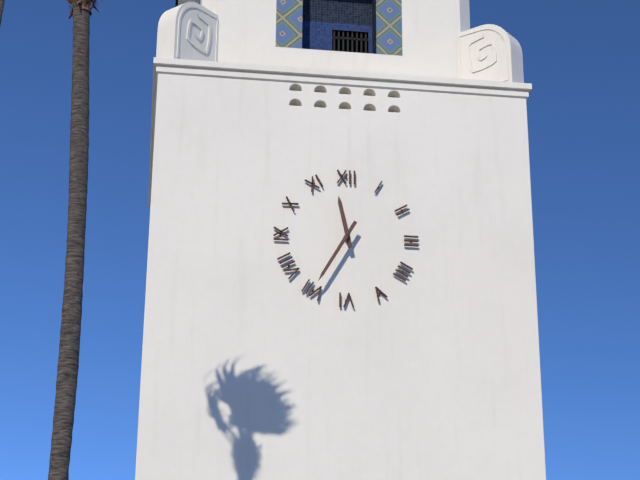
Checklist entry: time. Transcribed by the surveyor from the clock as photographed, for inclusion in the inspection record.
11:35
